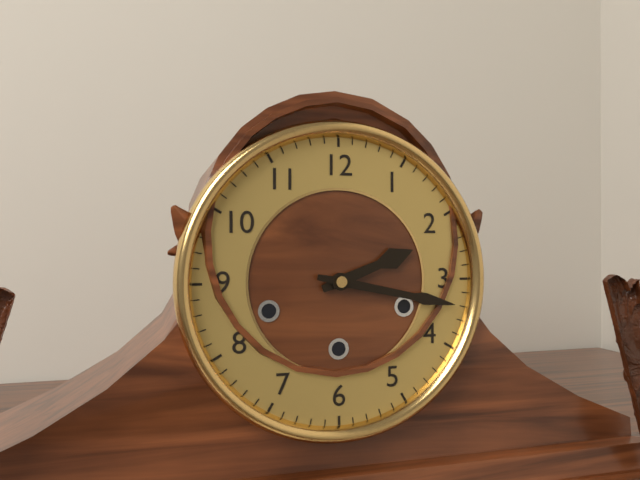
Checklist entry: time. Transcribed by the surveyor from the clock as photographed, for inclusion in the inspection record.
2:17
